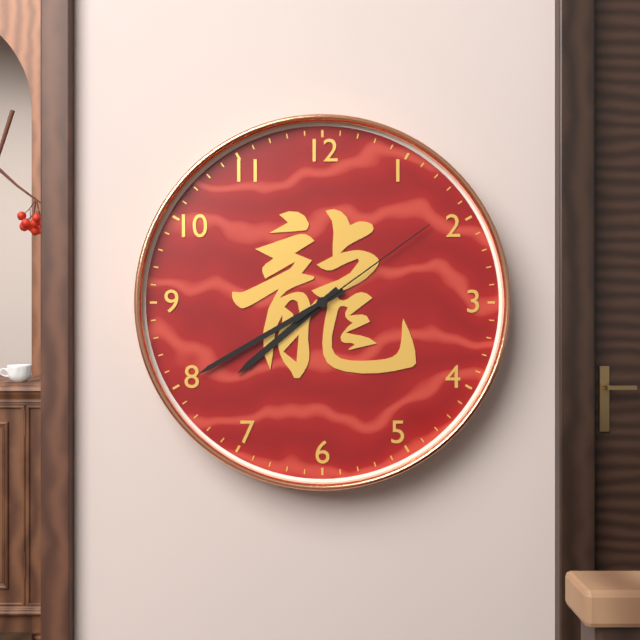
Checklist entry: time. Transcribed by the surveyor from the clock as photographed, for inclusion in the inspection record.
7:40:09
